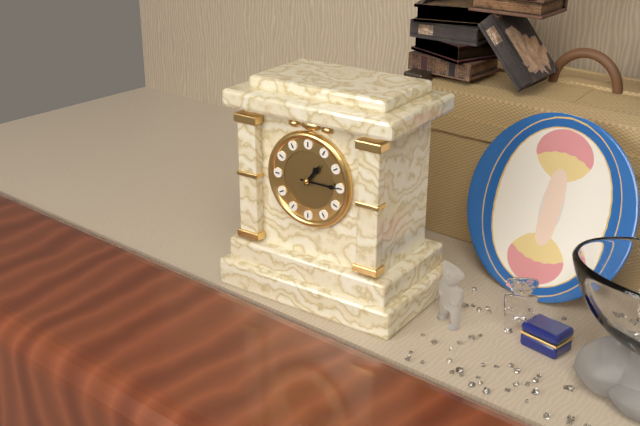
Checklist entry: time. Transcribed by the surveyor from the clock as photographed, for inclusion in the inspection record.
1:15
